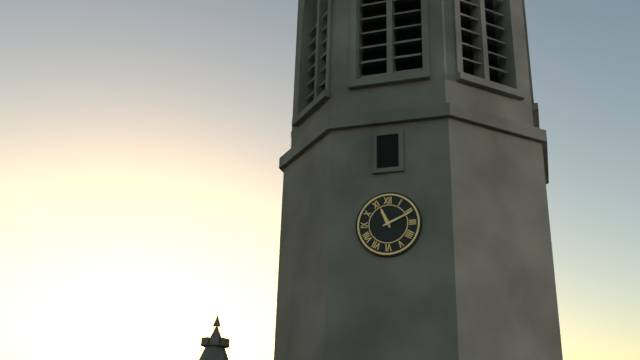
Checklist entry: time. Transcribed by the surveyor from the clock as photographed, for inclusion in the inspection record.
11:11
